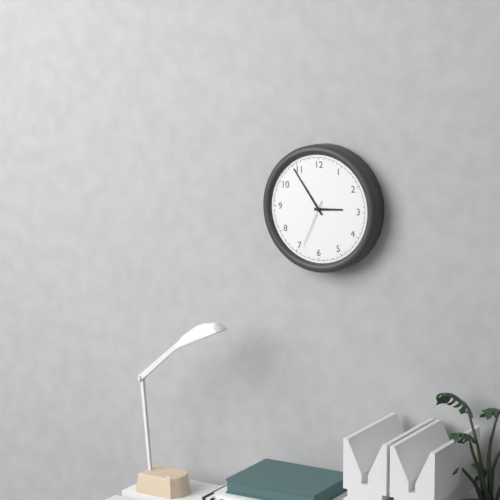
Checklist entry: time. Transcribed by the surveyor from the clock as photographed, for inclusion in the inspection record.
2:54:34
